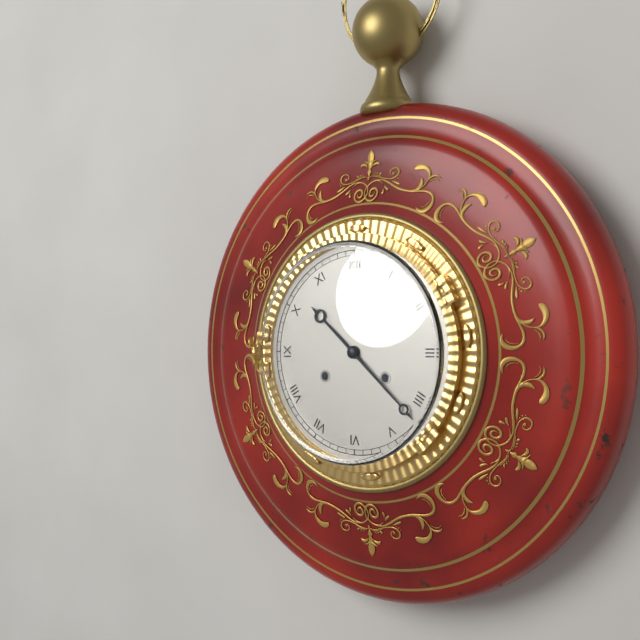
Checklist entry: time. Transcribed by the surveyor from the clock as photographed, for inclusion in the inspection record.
10:22
